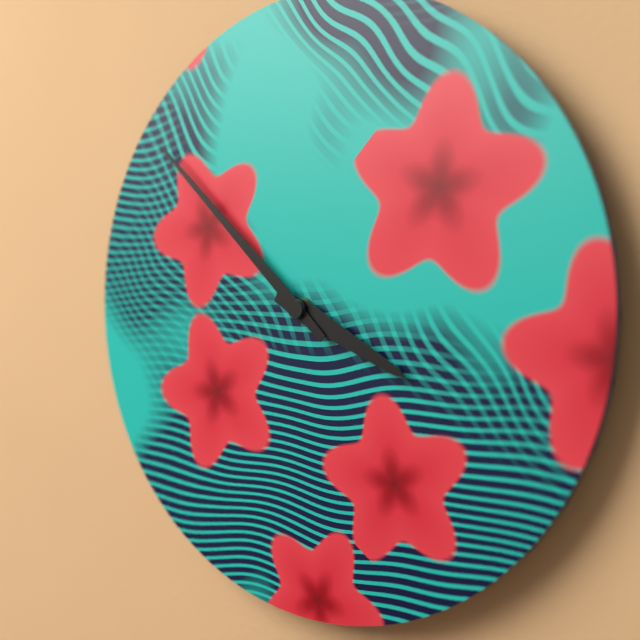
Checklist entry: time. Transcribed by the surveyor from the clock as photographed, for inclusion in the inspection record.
3:52
